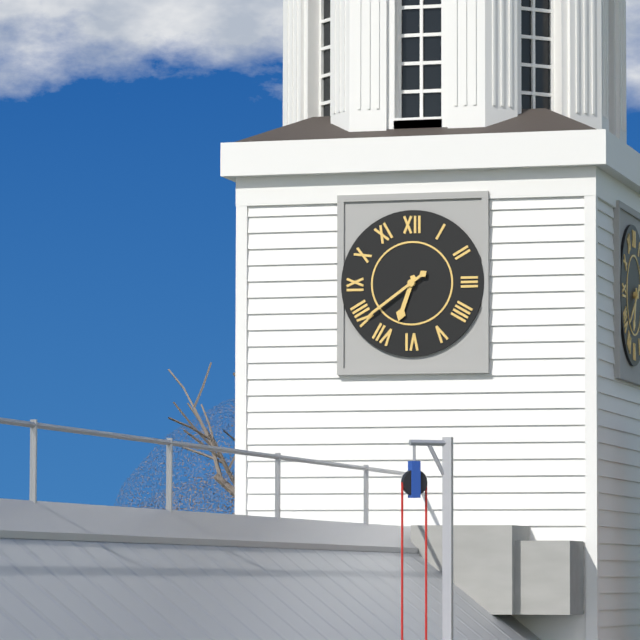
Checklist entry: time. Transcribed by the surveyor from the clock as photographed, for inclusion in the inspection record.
6:39
